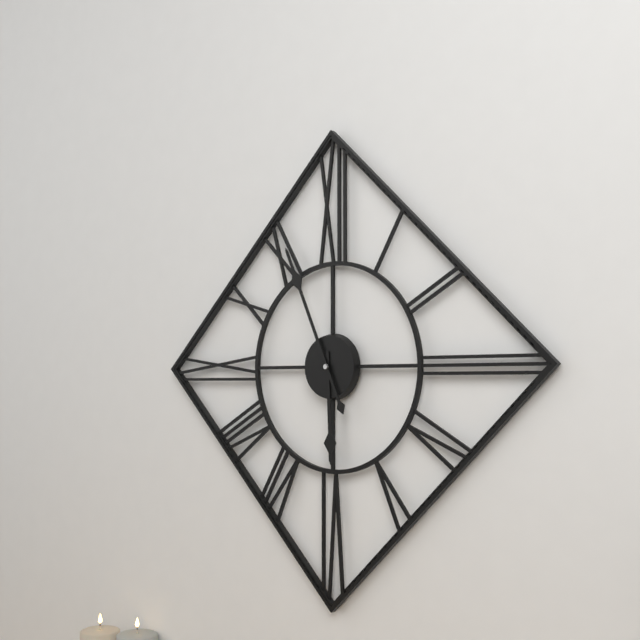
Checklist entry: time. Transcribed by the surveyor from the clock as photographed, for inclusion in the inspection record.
5:56
